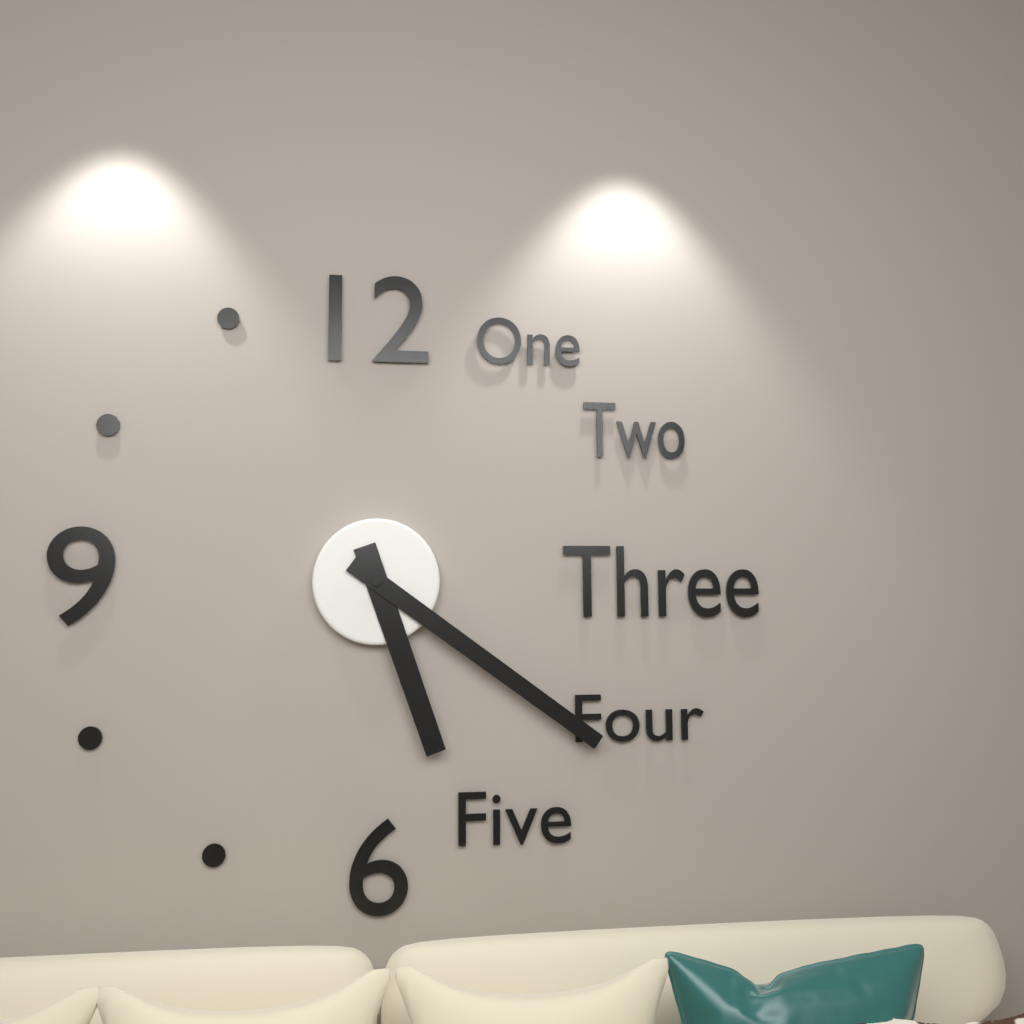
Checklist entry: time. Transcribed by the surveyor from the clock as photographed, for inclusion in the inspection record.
5:21
